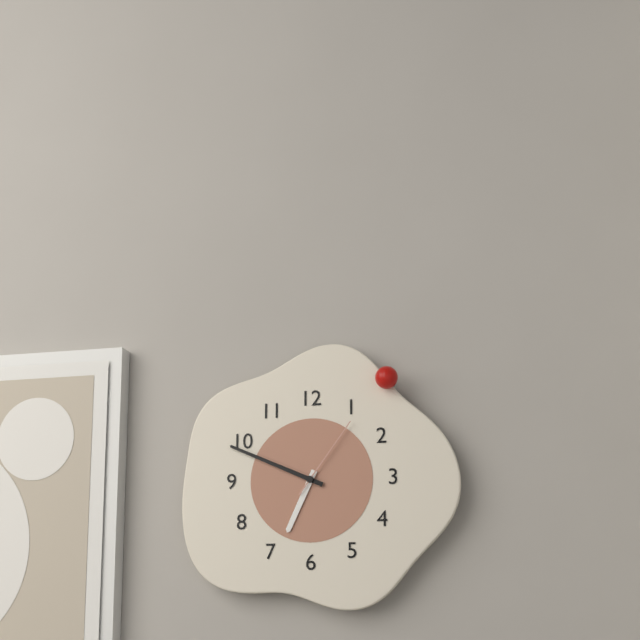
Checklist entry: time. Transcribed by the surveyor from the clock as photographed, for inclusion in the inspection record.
6:49:06
